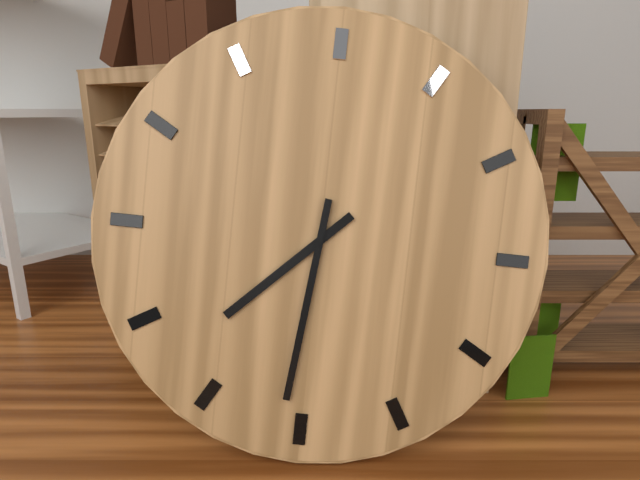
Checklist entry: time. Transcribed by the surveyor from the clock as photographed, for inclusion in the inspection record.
7:31
